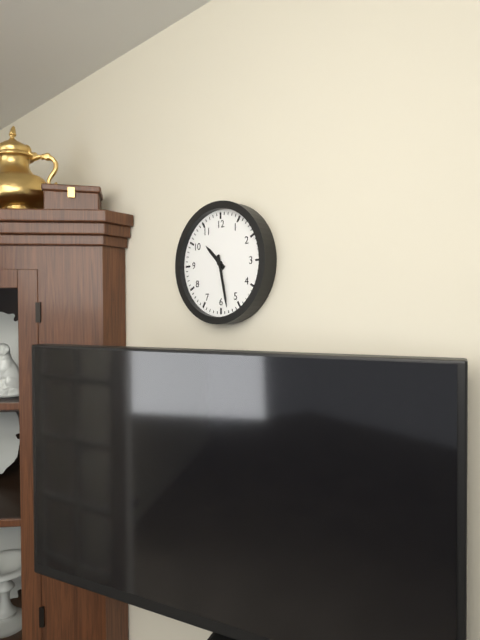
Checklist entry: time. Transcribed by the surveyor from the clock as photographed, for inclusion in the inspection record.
10:28
